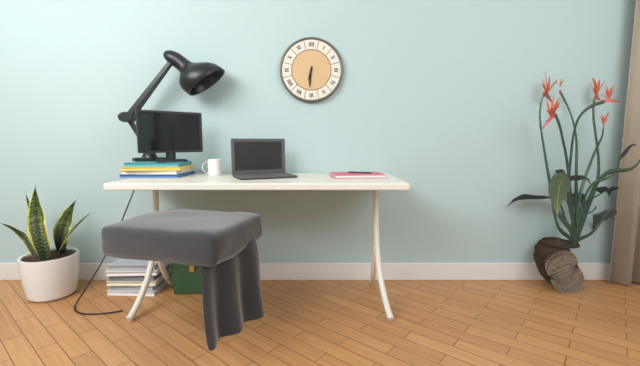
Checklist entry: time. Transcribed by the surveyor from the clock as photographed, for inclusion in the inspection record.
6:31
